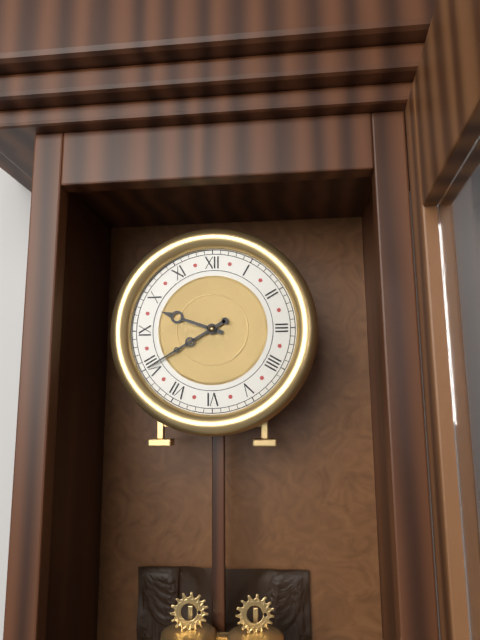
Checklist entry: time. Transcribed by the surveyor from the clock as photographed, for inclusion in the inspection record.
9:40
